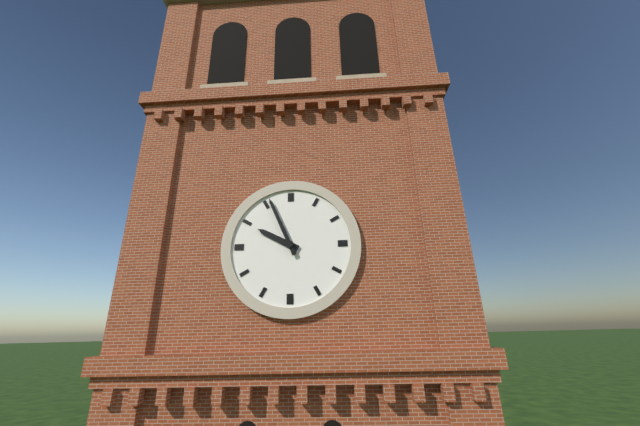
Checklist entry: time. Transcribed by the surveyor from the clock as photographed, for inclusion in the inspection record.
9:56
